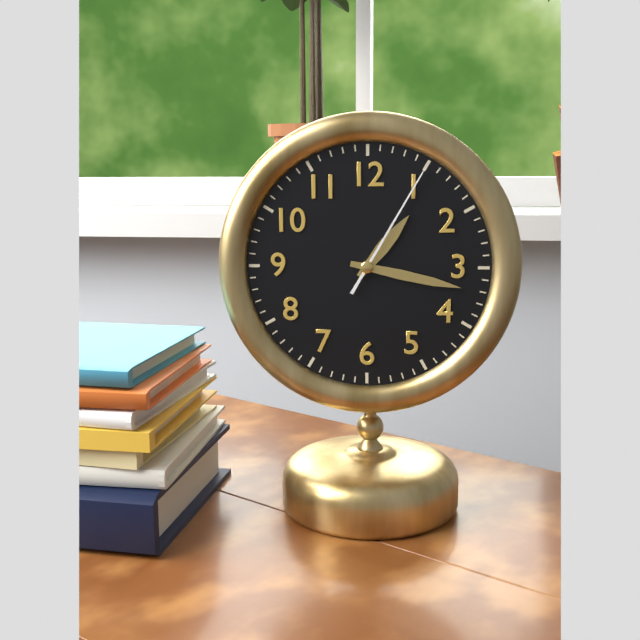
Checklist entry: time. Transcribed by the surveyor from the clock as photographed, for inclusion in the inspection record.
1:17:05
